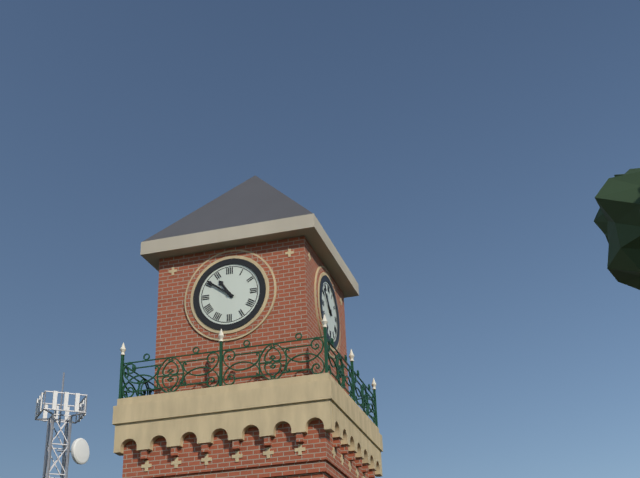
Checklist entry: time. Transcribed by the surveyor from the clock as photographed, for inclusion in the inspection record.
10:51
